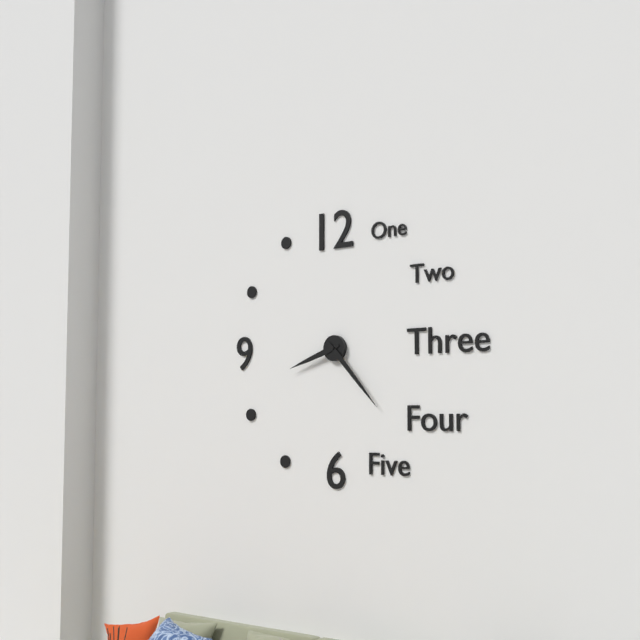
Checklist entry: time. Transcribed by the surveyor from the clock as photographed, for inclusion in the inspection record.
8:23
